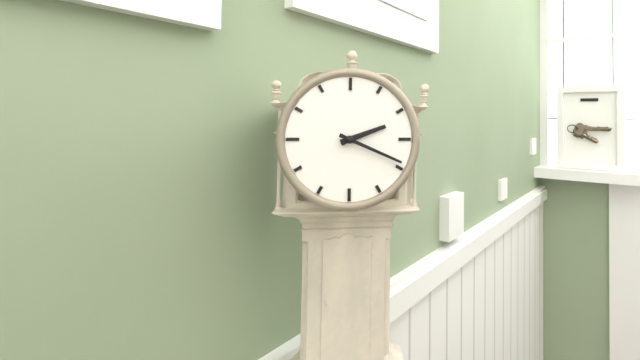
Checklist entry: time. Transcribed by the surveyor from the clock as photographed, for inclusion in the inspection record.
2:19
